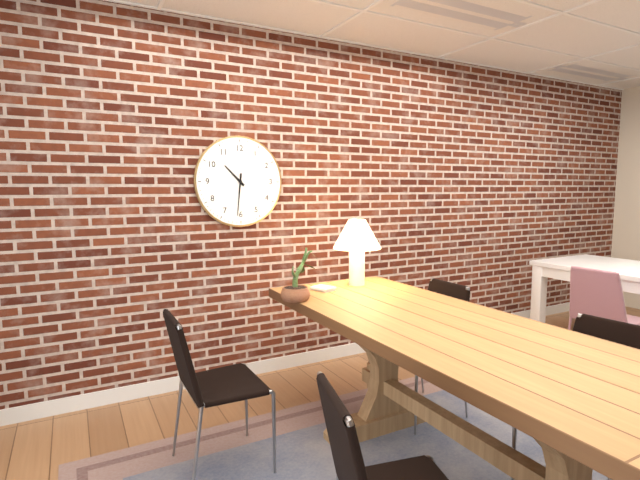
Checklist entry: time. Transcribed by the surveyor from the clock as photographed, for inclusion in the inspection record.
10:31
